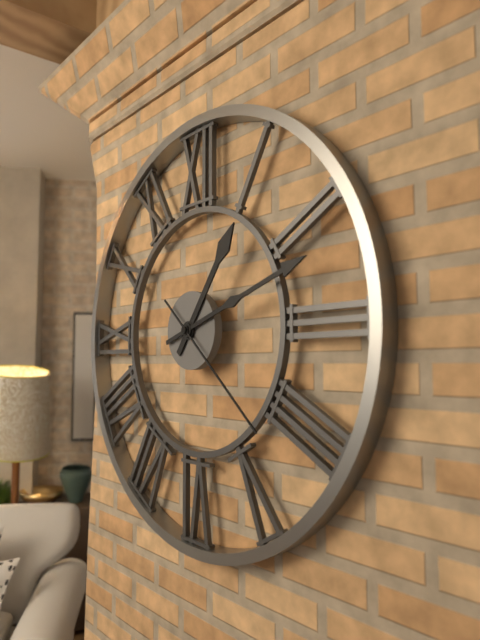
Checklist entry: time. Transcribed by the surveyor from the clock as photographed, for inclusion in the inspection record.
1:12:22
